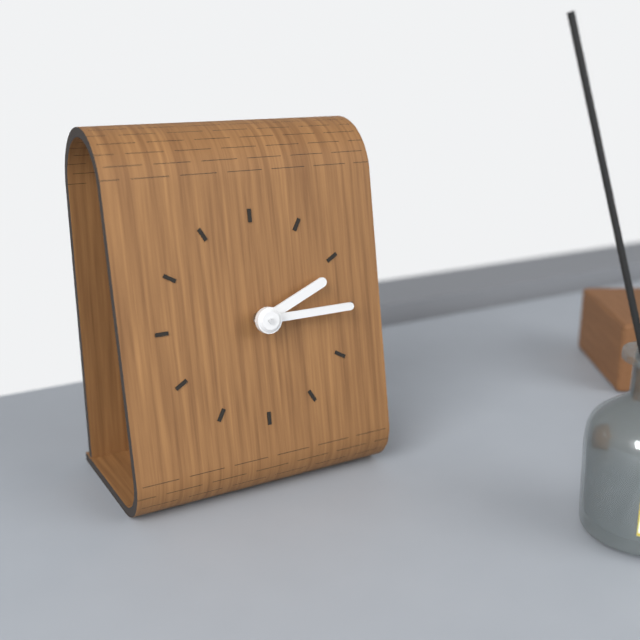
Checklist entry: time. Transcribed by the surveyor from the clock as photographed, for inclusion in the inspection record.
2:15
